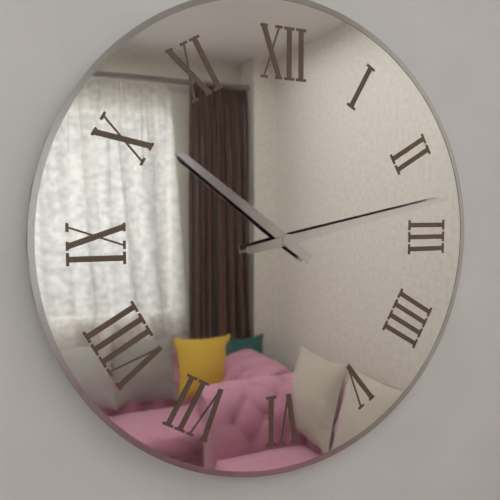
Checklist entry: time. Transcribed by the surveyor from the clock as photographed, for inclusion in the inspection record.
10:13
